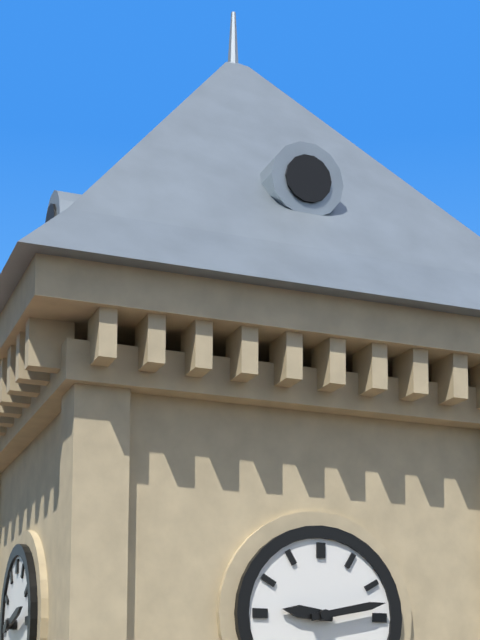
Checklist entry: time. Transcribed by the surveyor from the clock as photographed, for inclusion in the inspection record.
9:13
